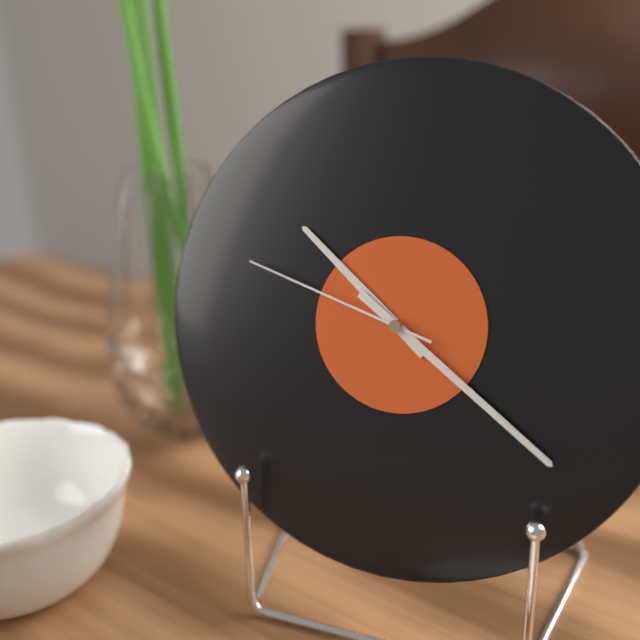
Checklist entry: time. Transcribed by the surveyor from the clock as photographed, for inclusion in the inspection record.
10:21:48
